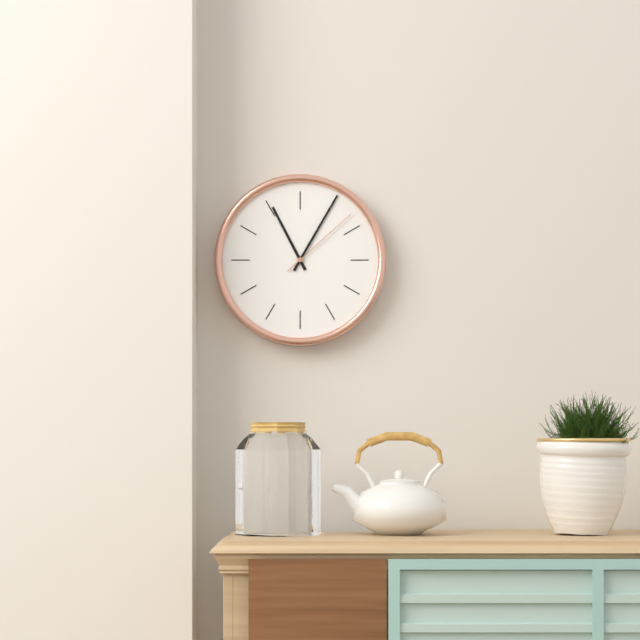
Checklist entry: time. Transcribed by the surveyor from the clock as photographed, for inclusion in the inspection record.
11:05:08
